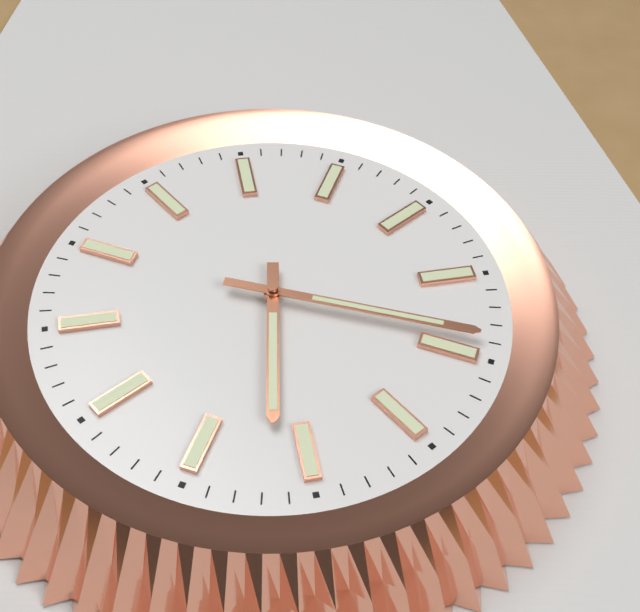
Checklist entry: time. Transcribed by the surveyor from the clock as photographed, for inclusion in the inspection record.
6:19
